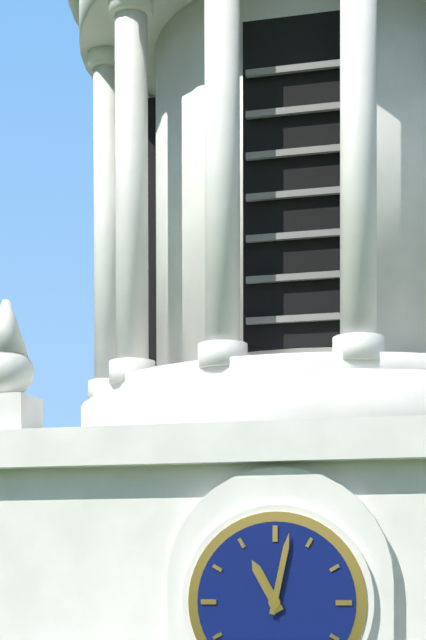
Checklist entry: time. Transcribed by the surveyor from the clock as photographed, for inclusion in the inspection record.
11:02
